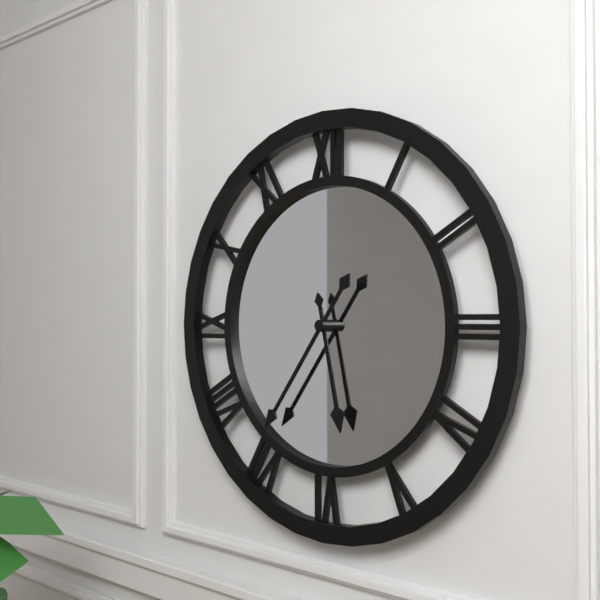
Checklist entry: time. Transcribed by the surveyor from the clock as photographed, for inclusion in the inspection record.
5:36
